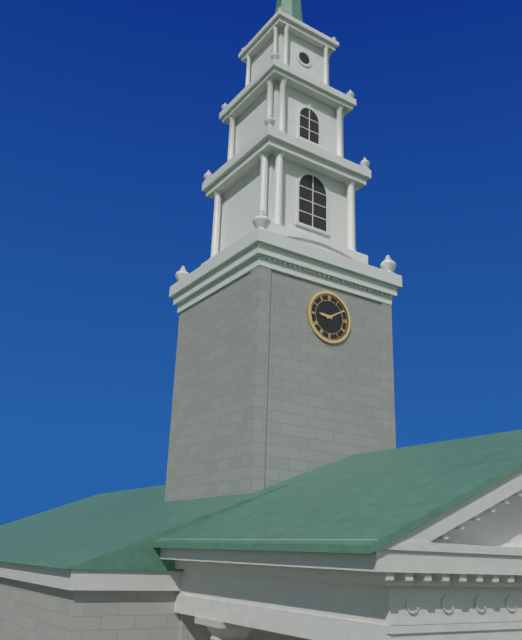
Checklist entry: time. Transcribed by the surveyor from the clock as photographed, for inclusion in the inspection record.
9:10
